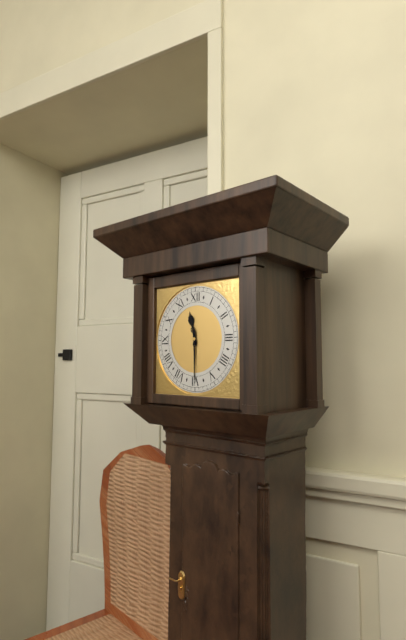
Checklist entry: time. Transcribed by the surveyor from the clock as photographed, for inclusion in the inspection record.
11:30
